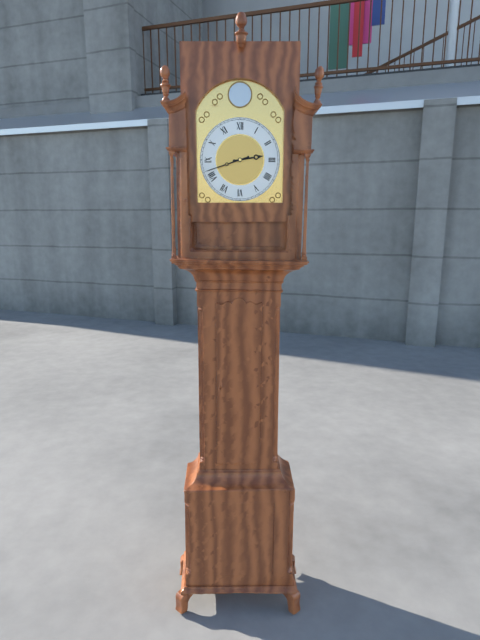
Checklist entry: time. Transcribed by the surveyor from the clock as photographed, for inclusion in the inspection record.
2:42
